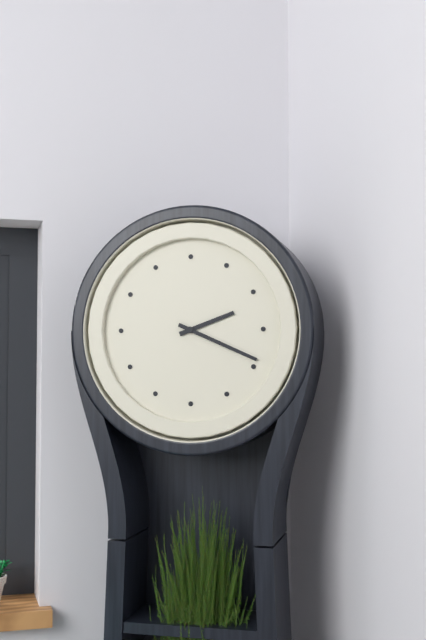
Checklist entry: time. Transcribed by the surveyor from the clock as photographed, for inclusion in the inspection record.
2:19
